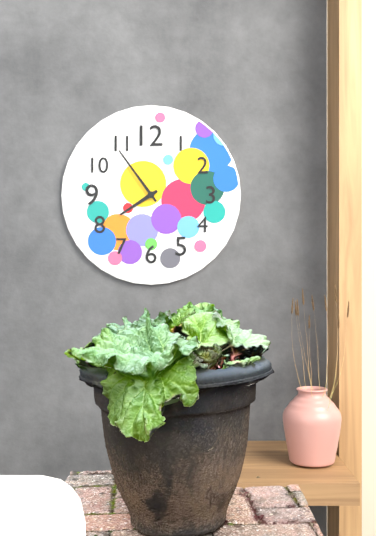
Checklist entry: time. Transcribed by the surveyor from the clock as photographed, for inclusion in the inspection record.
7:54
